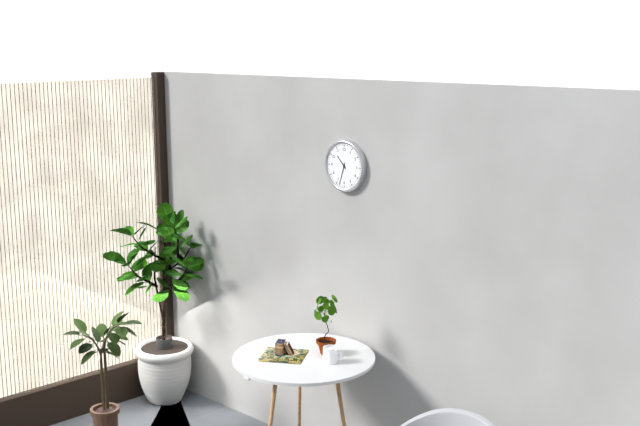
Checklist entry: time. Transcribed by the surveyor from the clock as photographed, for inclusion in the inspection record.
10:33
